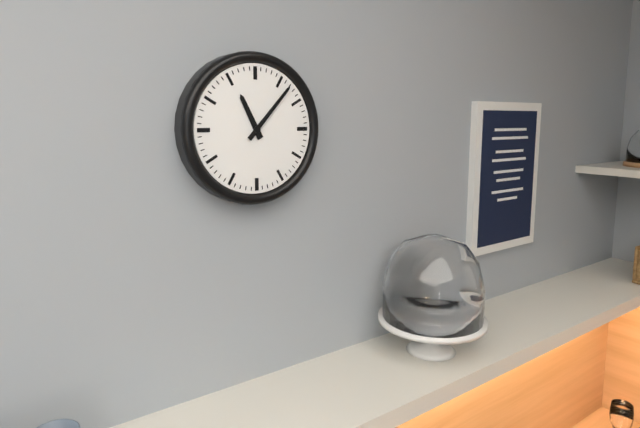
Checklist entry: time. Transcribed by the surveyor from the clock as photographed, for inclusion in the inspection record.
11:07
